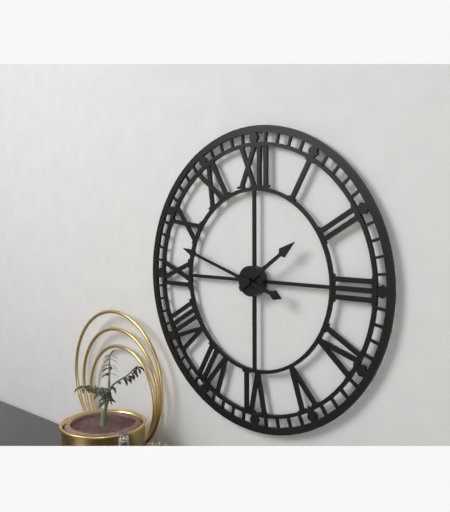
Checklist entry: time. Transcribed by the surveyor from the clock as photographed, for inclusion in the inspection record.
1:48
